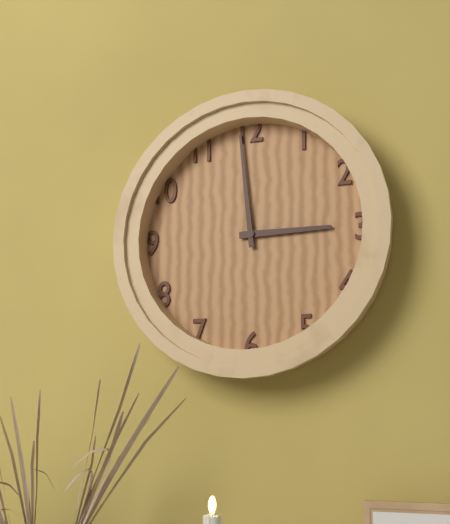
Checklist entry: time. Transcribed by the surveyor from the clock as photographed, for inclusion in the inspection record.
2:59
